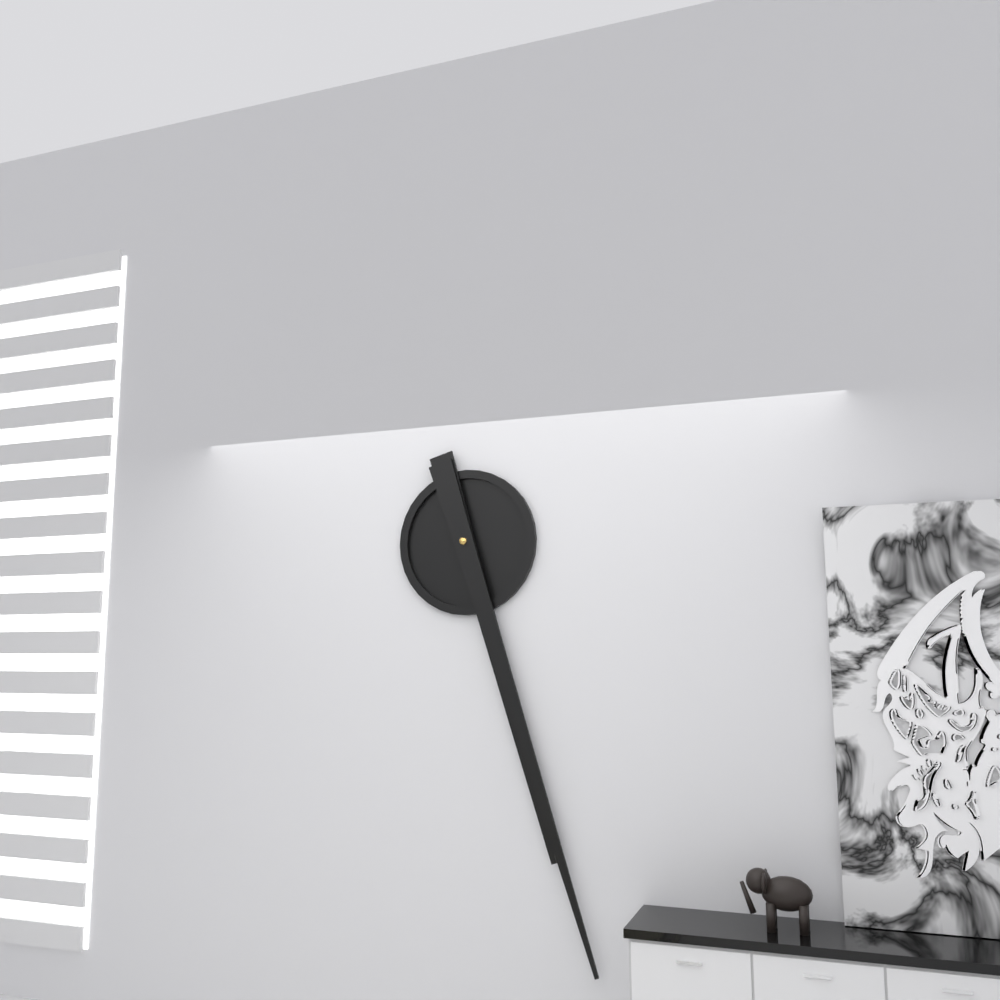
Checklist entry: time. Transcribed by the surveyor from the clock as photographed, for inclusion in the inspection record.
5:27
